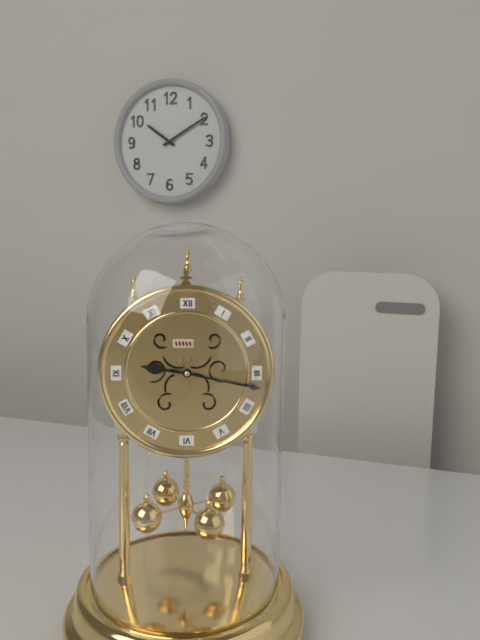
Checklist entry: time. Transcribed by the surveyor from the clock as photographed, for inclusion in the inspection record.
9:17
